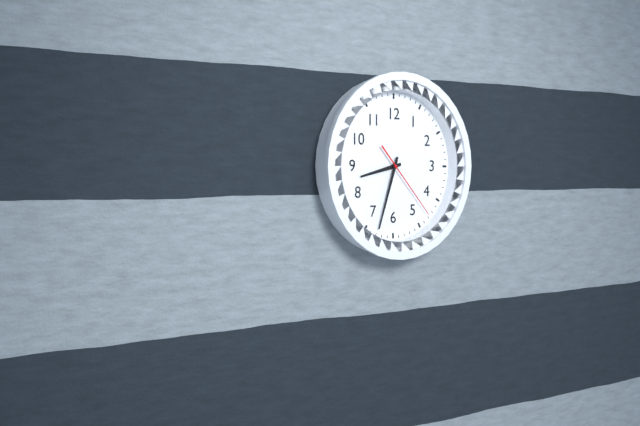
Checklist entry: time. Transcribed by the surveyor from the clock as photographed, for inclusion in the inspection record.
8:33:23
